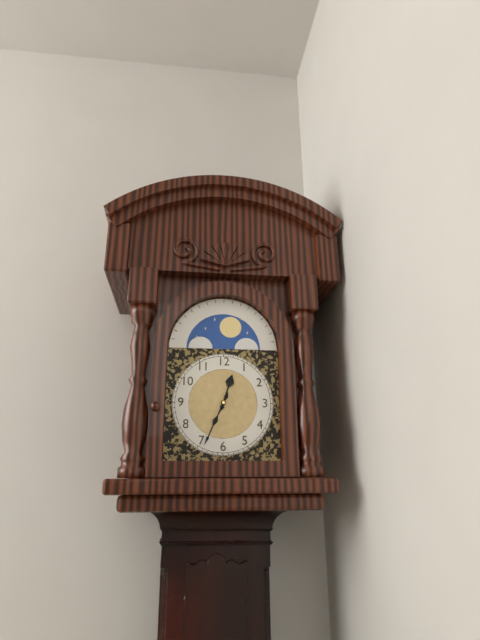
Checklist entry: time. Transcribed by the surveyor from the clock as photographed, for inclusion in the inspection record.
12:34
